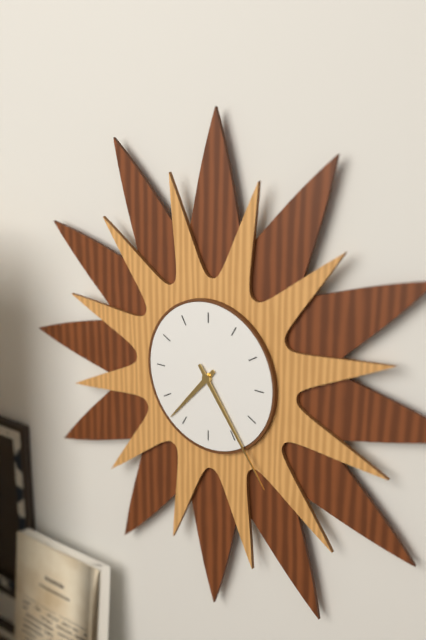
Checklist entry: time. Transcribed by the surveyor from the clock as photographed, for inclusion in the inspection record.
7:24
